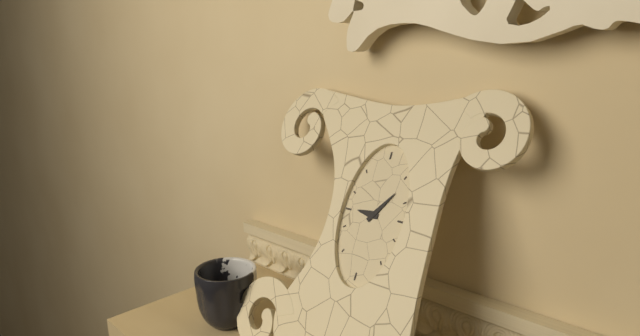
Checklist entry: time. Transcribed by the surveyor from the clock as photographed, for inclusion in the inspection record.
9:06
